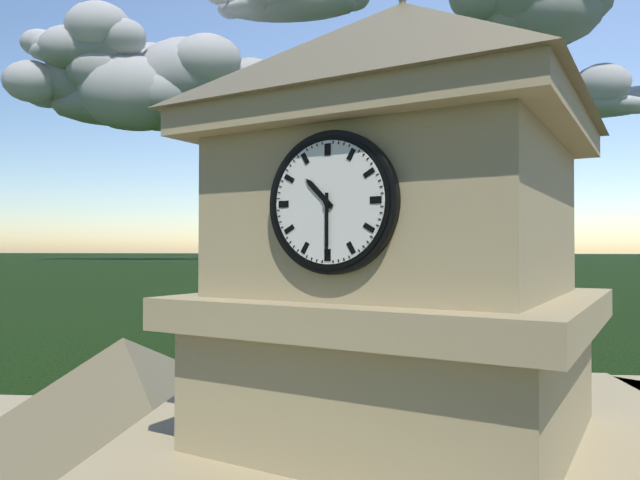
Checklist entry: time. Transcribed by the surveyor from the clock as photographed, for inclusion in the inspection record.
10:30
